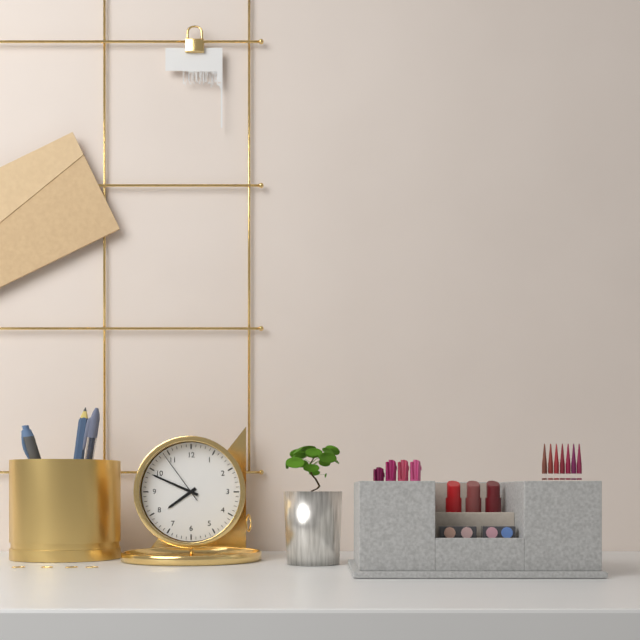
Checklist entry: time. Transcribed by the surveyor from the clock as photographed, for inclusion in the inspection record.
7:49:54
